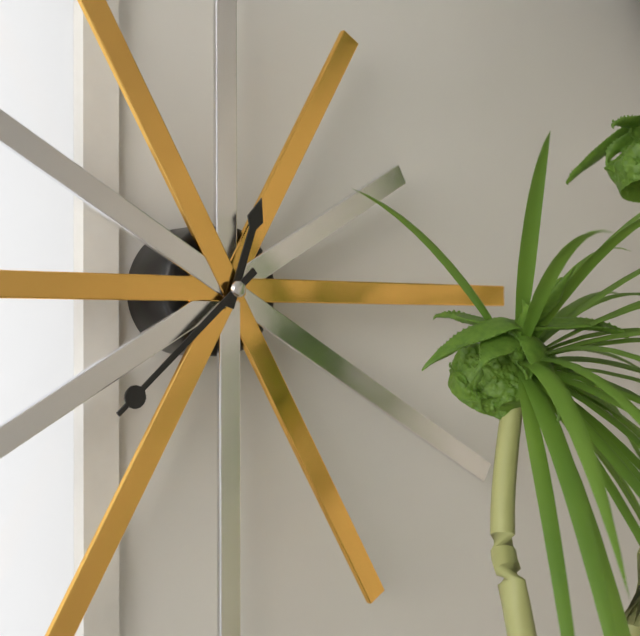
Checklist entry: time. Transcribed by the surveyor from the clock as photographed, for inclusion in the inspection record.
12:38
